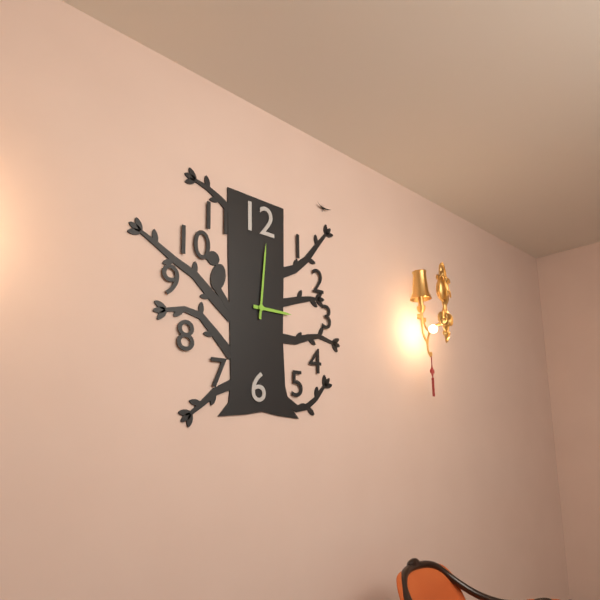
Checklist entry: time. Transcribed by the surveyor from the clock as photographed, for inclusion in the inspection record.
3:01
